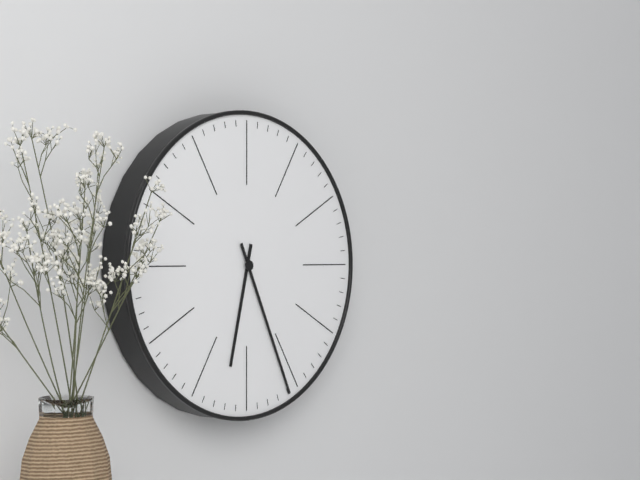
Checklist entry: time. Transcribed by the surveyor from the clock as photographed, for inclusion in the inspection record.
6:26
